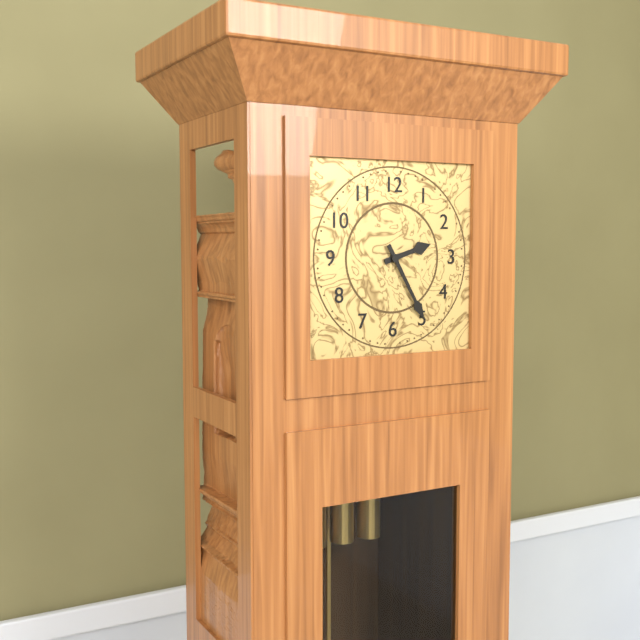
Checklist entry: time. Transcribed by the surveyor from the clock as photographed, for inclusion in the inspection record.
2:25
